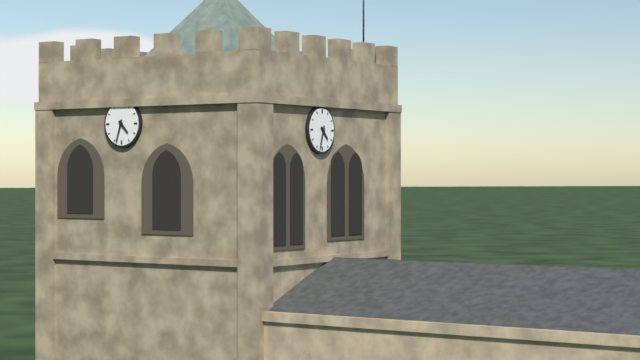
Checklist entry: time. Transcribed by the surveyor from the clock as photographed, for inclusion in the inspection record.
4:33
